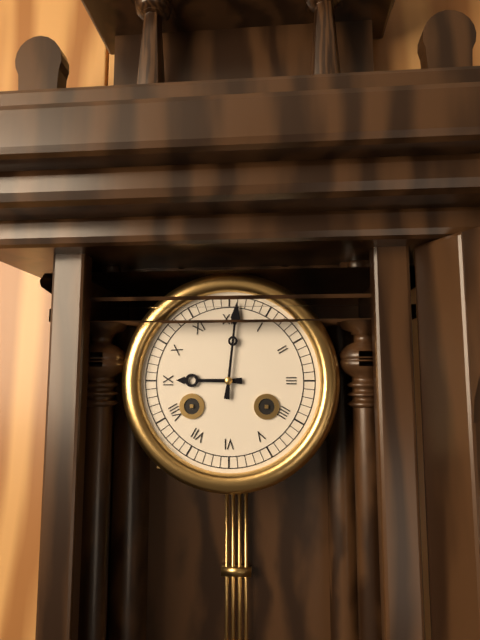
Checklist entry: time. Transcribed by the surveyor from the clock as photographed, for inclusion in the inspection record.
9:01
